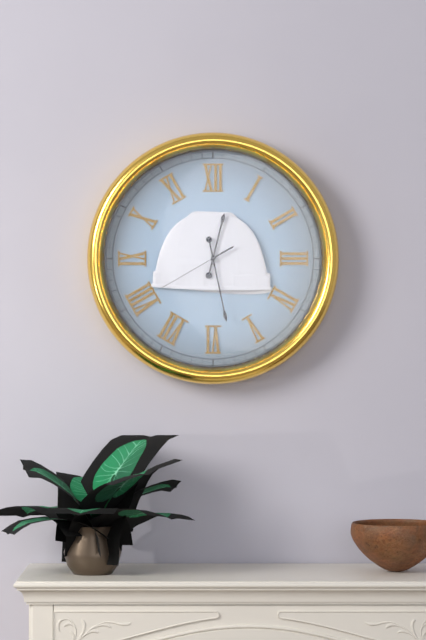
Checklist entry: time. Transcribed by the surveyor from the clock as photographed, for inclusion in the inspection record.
12:28:40
